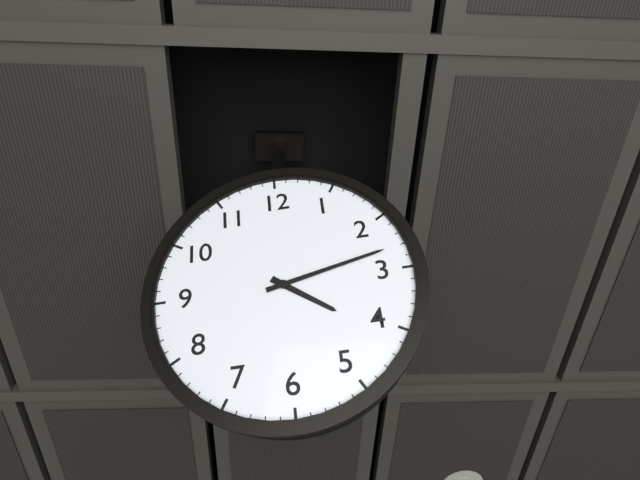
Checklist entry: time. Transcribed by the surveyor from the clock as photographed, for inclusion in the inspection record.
4:13
